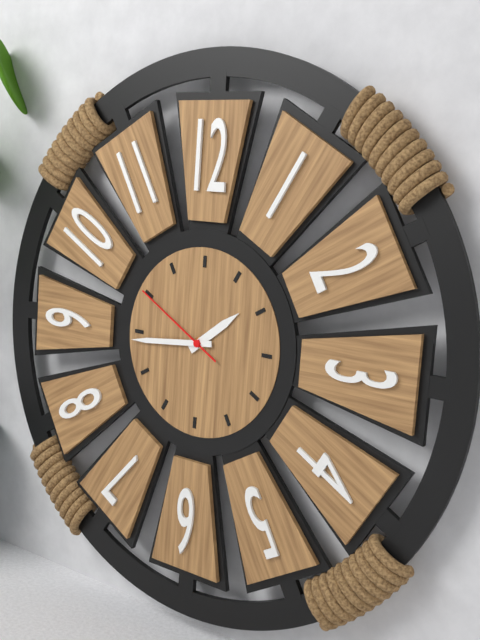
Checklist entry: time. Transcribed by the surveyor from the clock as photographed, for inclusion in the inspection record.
1:44:50
